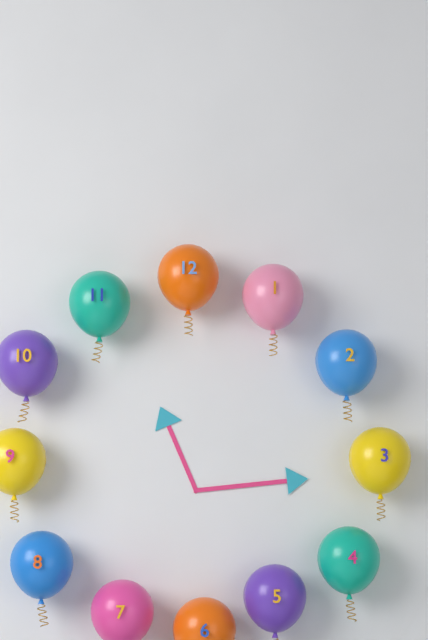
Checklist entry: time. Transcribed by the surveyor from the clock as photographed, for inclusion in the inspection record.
11:14
